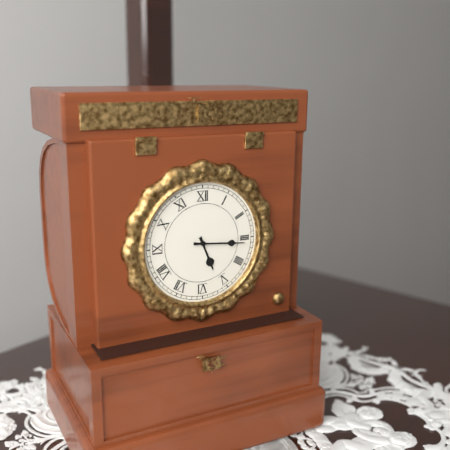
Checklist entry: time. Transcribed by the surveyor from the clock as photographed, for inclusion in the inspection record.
5:16
